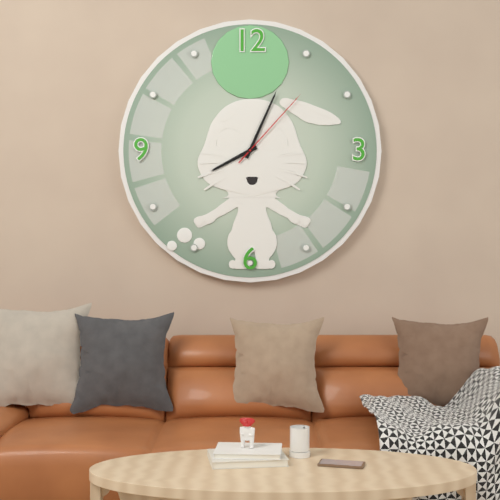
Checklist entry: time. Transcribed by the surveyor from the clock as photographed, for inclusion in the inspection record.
8:04:07
